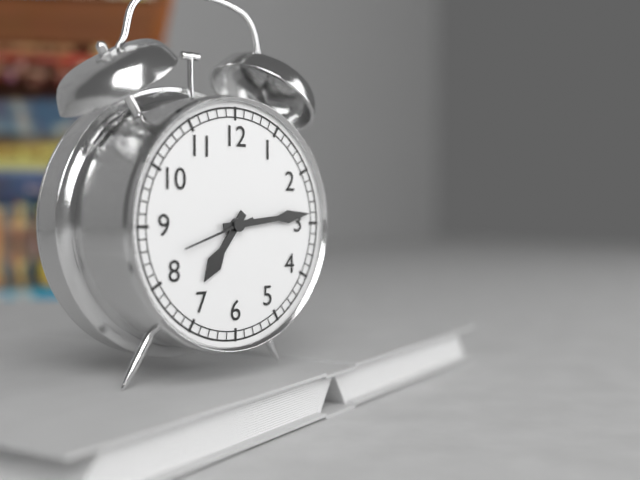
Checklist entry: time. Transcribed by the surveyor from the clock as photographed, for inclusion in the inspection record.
7:14:42
